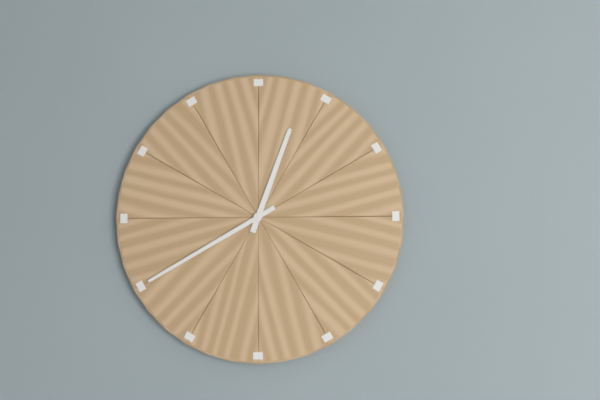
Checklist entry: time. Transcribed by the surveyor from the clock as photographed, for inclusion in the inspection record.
12:40
